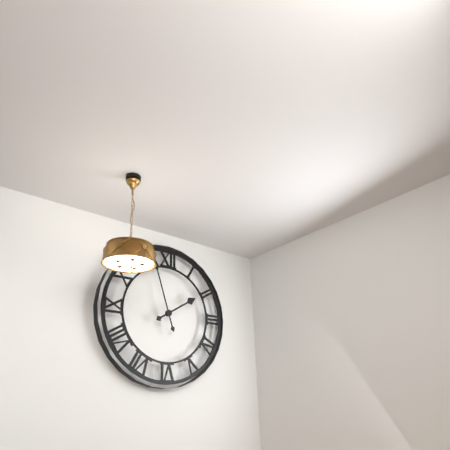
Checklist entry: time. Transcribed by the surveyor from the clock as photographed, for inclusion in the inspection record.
1:57
